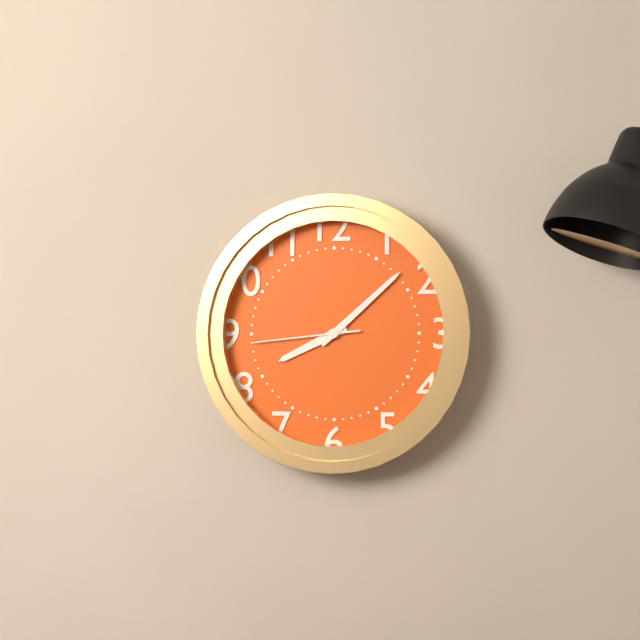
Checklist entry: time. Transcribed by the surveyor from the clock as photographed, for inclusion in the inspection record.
8:08:44
